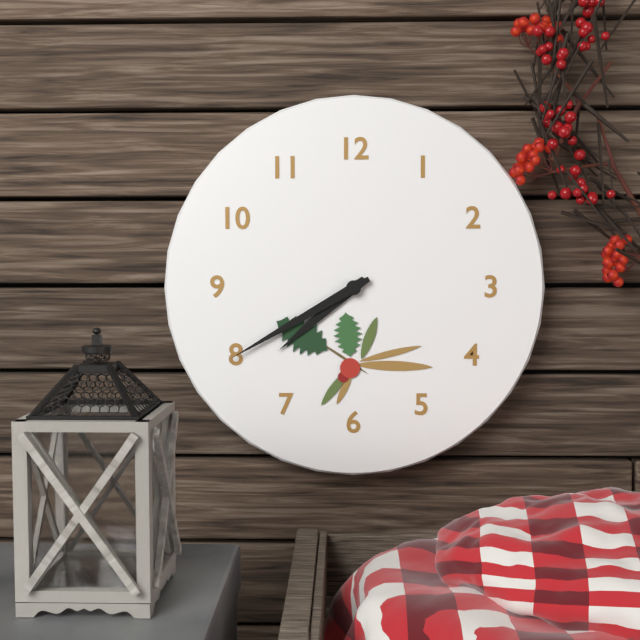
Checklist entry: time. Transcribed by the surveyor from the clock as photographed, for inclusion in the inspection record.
7:40
